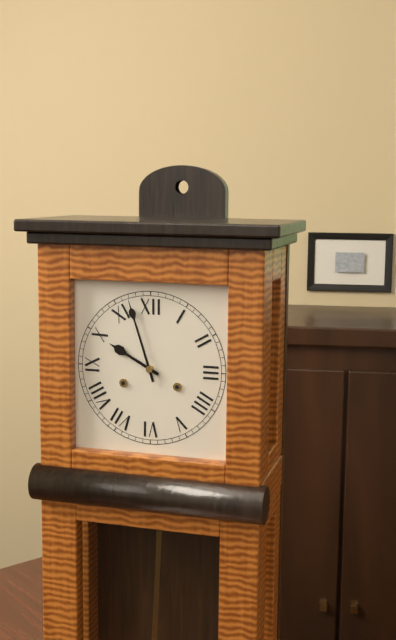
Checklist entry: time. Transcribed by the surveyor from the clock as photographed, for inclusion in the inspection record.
9:57
